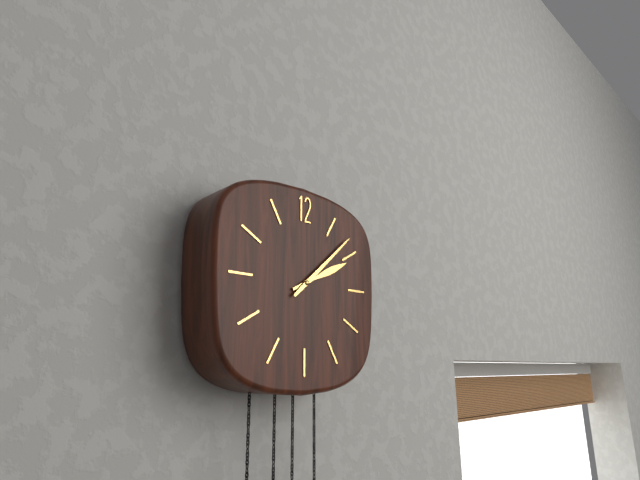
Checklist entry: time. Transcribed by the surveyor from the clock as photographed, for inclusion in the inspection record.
2:08
